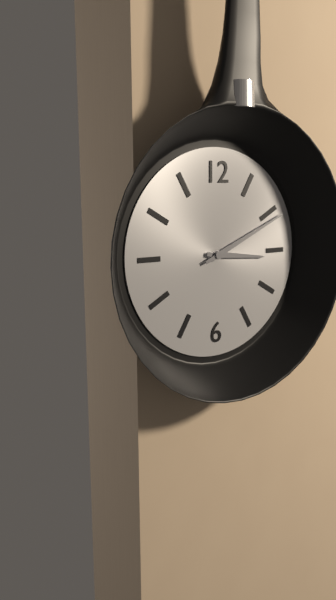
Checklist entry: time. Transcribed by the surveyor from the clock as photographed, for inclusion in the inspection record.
3:11
